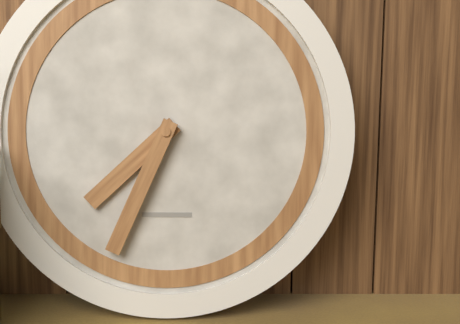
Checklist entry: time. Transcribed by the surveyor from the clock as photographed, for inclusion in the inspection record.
7:34
